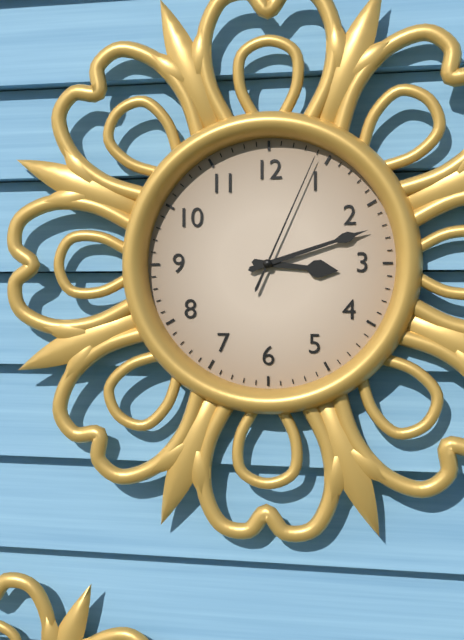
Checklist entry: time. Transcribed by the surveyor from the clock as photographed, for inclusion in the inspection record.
3:12:04
